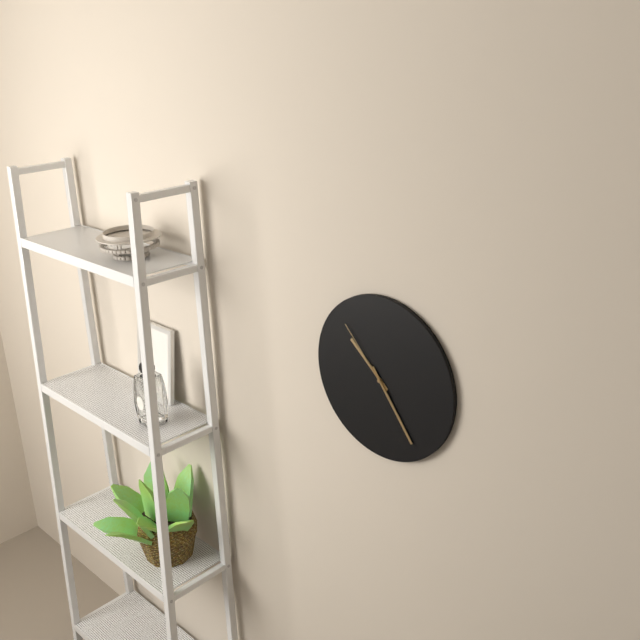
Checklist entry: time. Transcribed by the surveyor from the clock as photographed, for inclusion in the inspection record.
10:24:53
